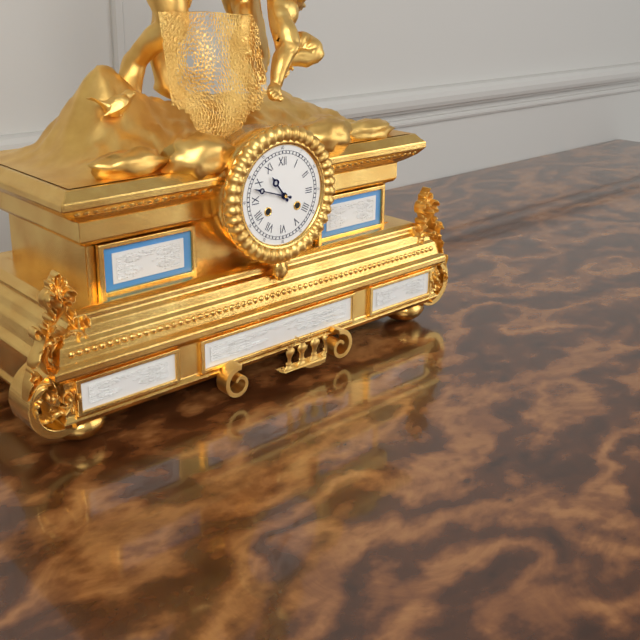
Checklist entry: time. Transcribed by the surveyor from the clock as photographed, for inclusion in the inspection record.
10:48
